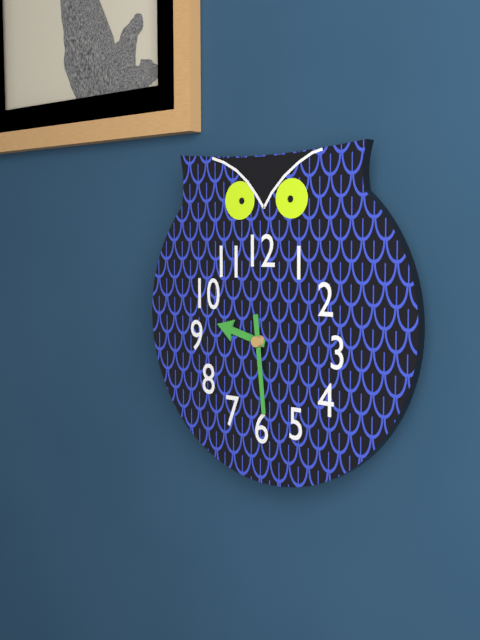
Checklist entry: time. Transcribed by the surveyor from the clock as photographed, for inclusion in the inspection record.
9:29
